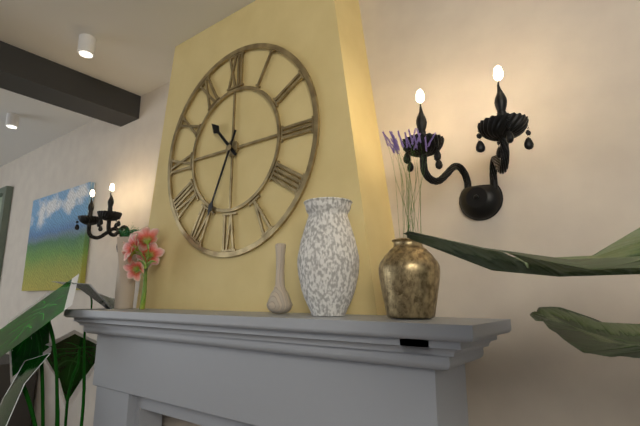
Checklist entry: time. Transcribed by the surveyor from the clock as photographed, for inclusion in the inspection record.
10:34
